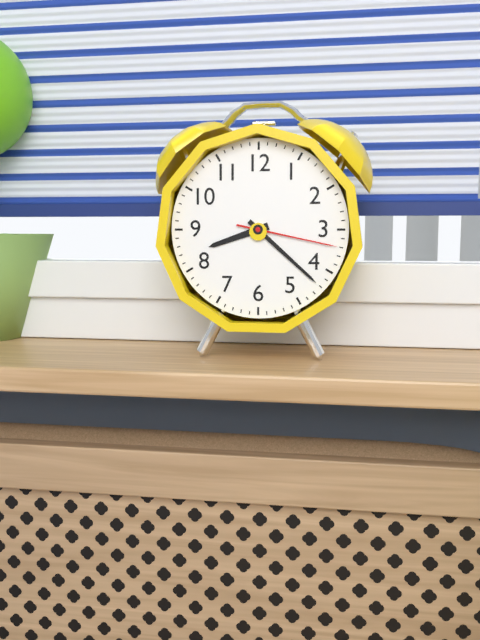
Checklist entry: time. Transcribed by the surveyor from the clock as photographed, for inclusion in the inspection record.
8:22:17
